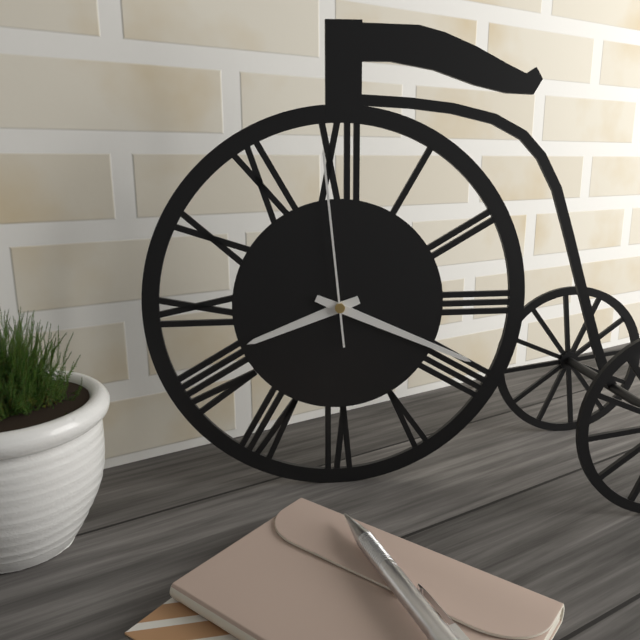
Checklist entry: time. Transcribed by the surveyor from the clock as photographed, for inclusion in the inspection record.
8:19:59
